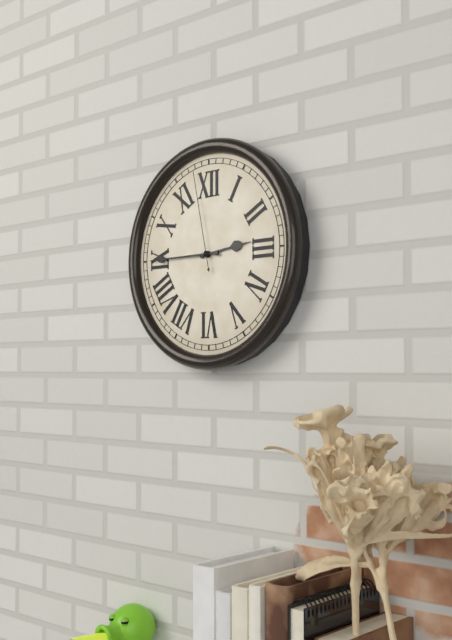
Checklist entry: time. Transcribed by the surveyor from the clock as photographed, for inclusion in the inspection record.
2:45:58
